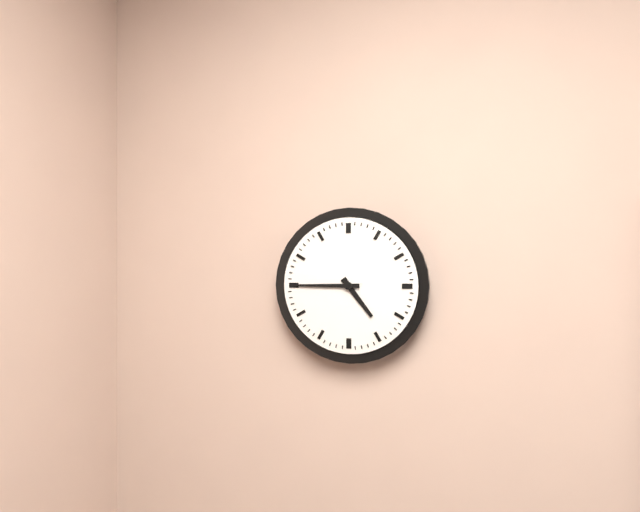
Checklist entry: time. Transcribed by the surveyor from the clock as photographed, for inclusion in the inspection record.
4:45
